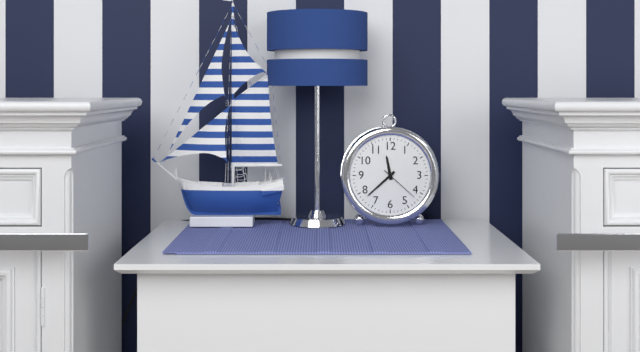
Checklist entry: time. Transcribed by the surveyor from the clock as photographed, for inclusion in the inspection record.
11:38
